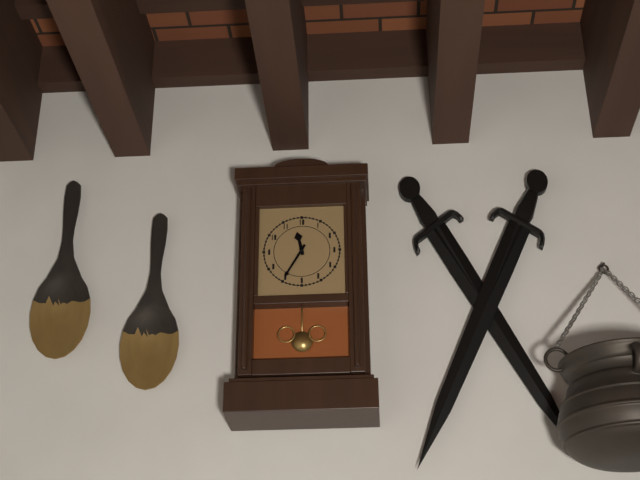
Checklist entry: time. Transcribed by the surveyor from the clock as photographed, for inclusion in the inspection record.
11:35
